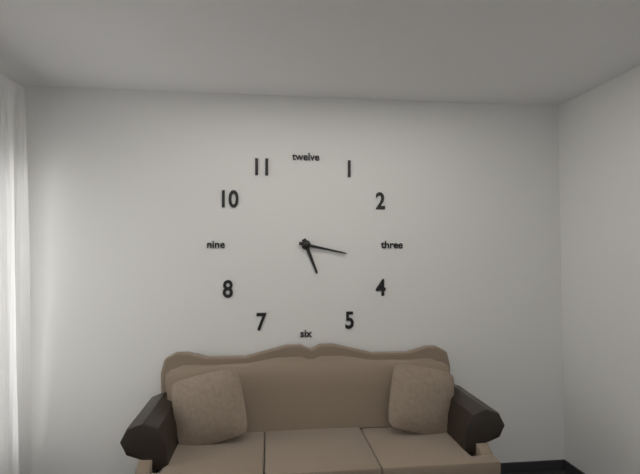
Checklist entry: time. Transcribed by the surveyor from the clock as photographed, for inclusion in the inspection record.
5:17
